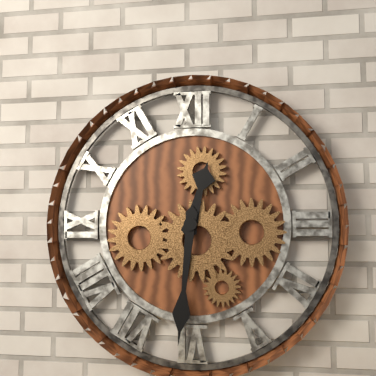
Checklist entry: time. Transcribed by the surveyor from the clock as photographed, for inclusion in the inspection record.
12:31
